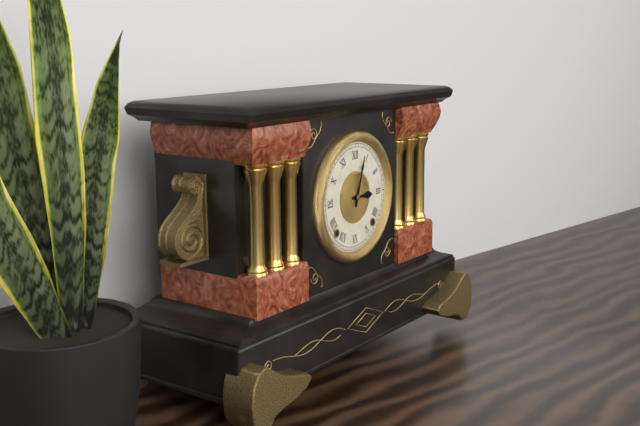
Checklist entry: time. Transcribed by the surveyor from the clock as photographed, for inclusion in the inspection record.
3:03
